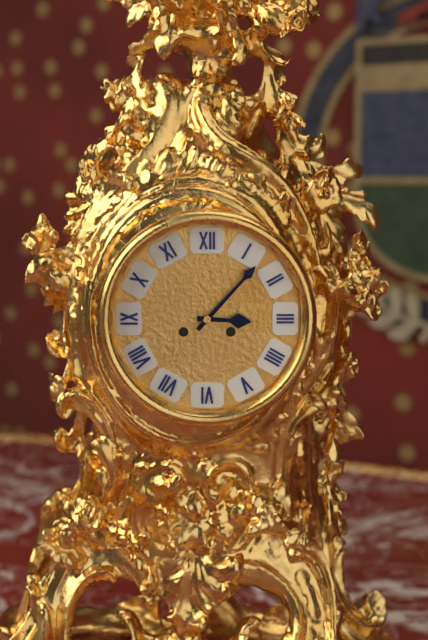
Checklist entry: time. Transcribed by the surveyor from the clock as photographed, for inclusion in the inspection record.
3:07
